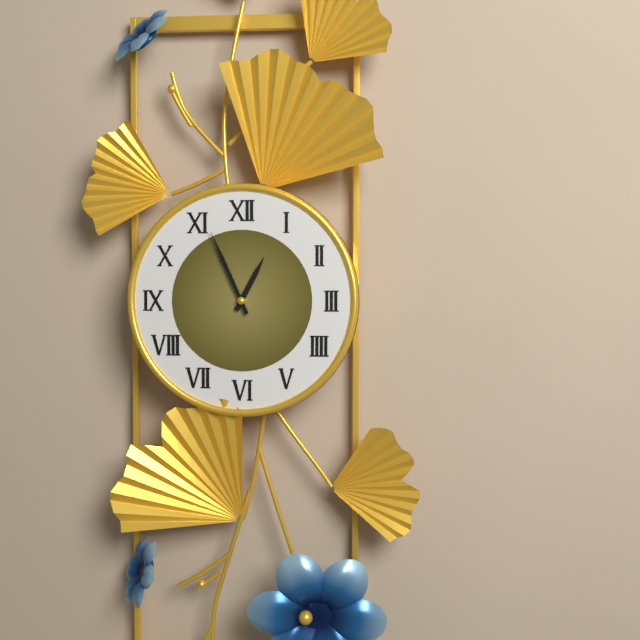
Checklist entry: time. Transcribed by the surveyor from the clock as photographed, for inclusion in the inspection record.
12:56
